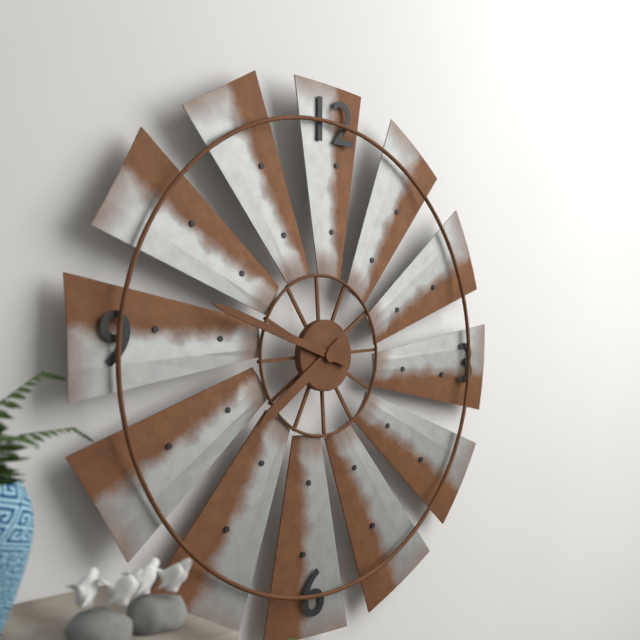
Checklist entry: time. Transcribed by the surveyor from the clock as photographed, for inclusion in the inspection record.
7:48
